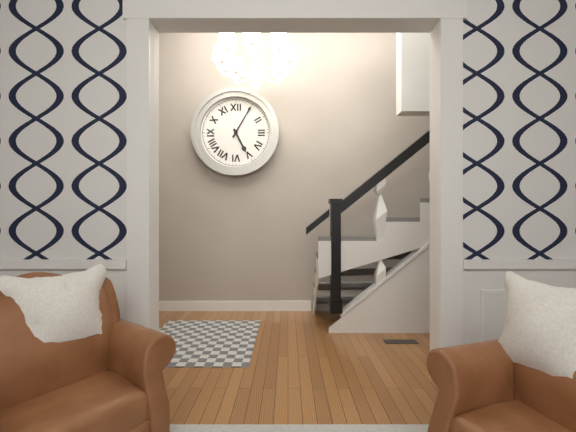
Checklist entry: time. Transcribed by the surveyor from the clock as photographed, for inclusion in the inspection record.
5:05
